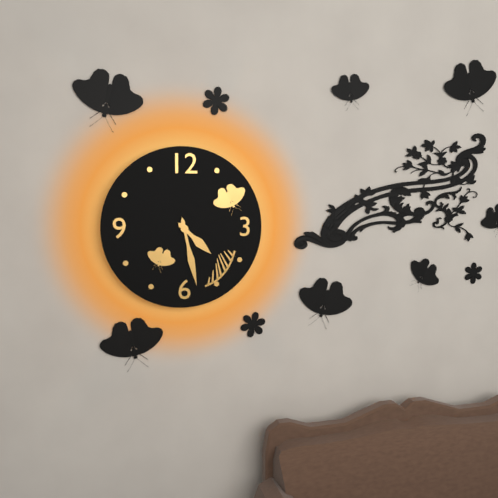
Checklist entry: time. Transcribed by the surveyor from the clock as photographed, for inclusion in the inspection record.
4:28
